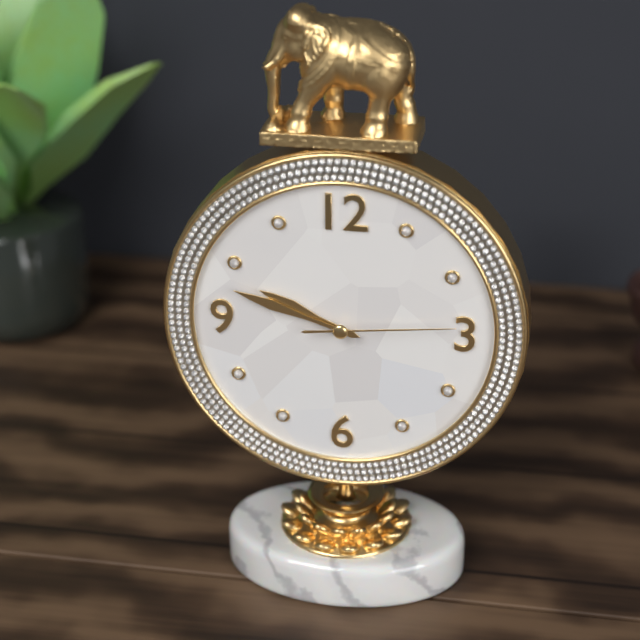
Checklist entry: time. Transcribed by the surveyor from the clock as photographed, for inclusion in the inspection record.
9:48:14
